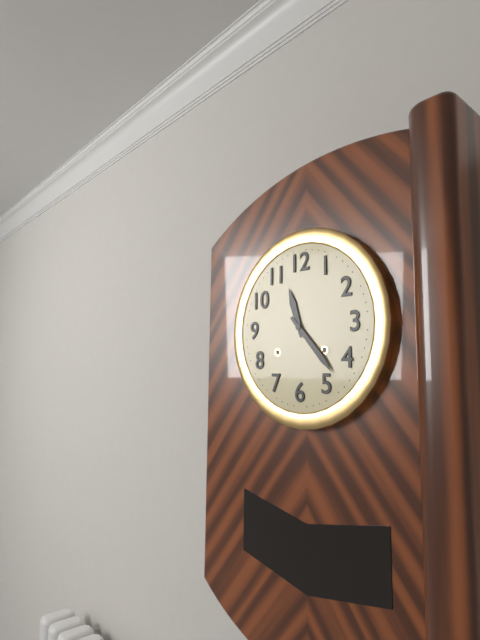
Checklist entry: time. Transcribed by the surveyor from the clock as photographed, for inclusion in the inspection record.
11:23
